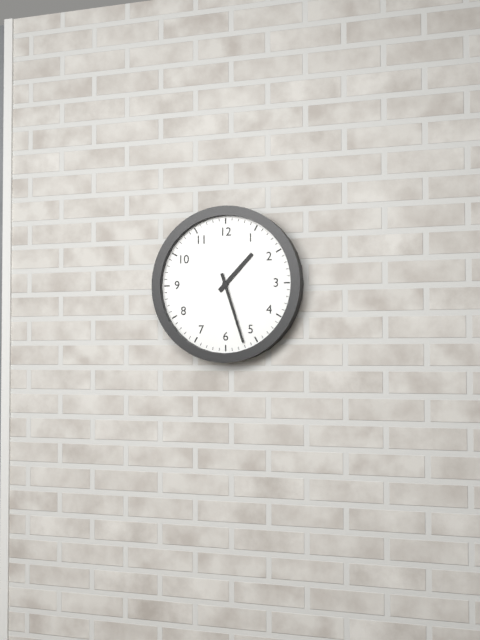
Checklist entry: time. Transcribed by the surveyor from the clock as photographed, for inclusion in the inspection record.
1:27
